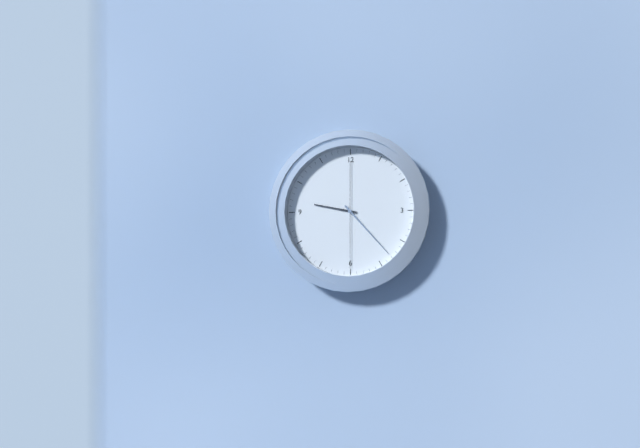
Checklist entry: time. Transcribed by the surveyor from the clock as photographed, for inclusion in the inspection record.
9:23:30
